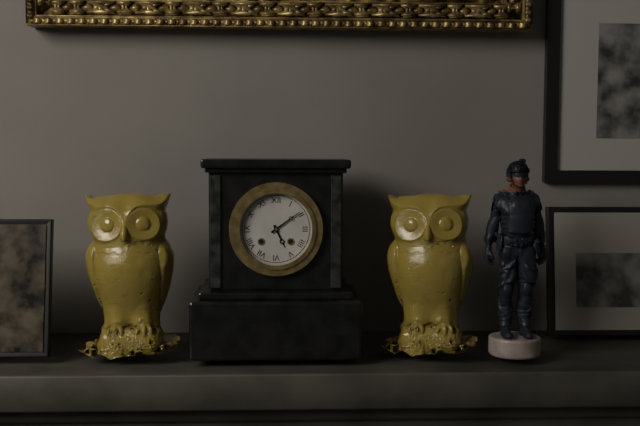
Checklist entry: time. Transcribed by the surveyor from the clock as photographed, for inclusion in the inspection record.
5:09
